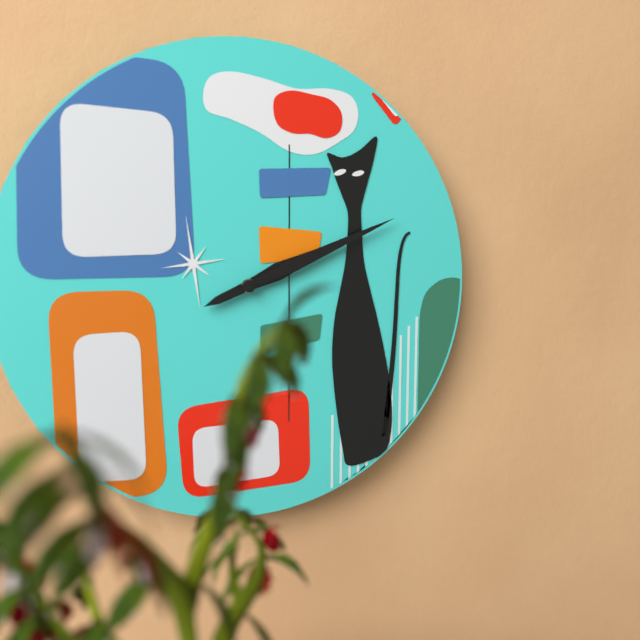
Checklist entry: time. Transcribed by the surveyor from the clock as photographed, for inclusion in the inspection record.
2:11
